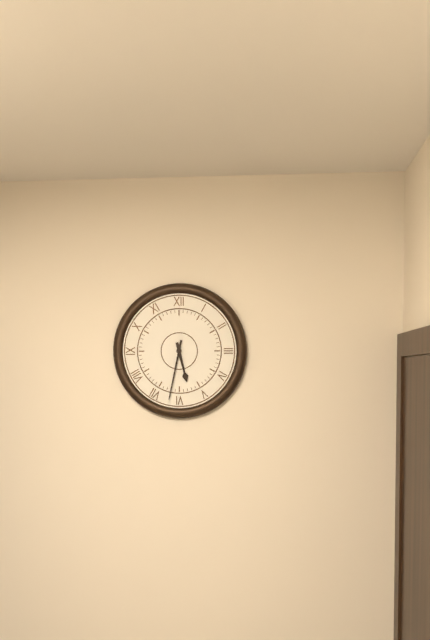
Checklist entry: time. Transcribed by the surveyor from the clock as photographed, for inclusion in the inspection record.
5:32
